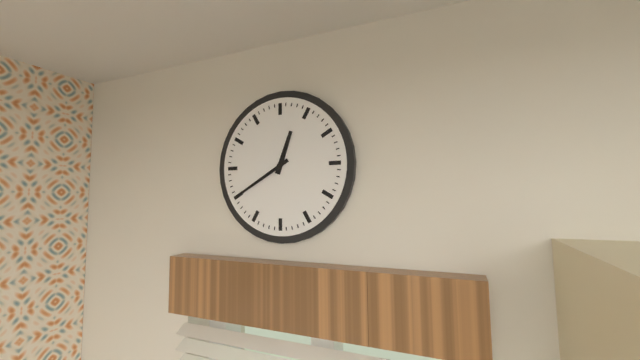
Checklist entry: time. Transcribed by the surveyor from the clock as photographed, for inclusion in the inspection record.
12:40
